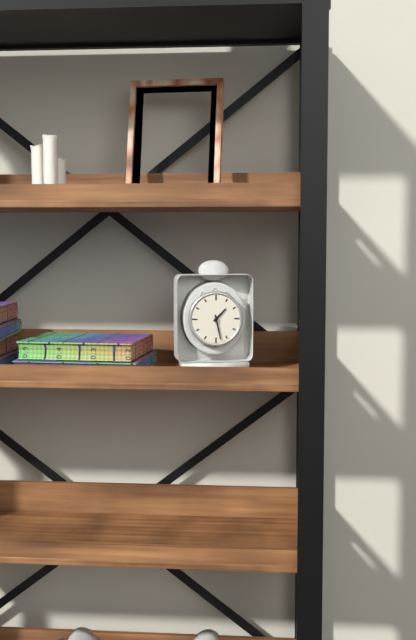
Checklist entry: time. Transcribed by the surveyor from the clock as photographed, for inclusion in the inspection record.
1:28
